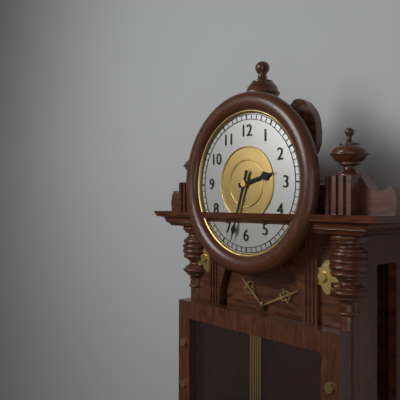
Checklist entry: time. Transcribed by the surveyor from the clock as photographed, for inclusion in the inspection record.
2:33
